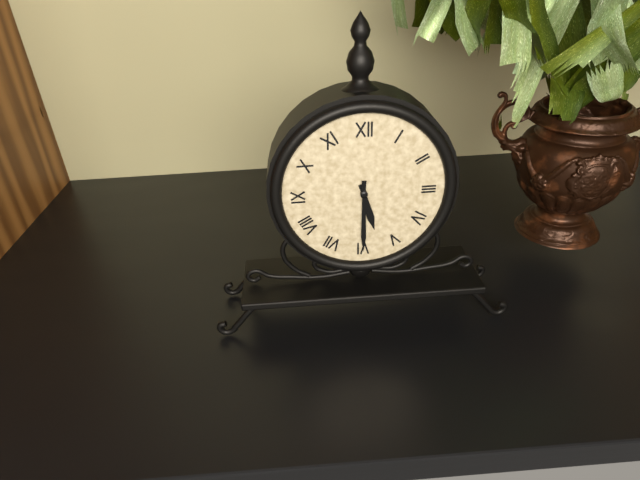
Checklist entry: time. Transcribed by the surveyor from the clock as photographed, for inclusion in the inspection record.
5:30
